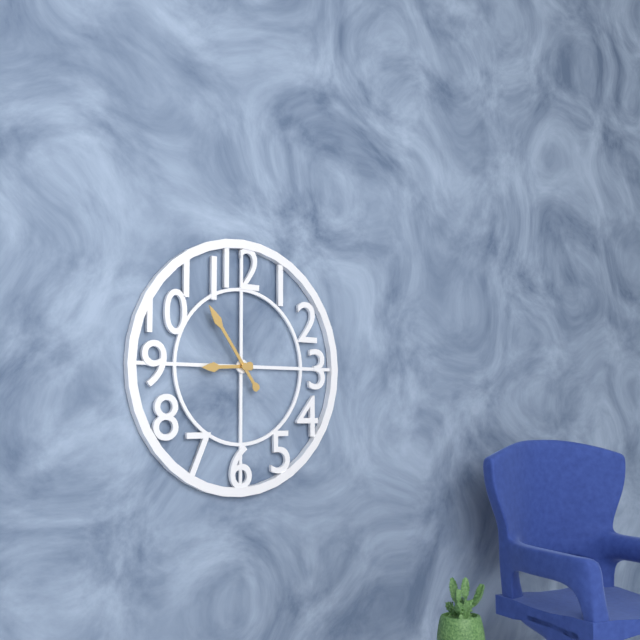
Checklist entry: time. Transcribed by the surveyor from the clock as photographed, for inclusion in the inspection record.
8:54
